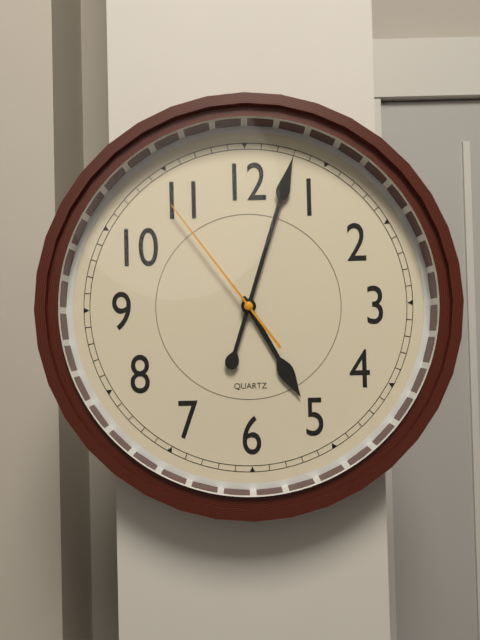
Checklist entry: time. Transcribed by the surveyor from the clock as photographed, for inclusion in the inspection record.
5:03:54
